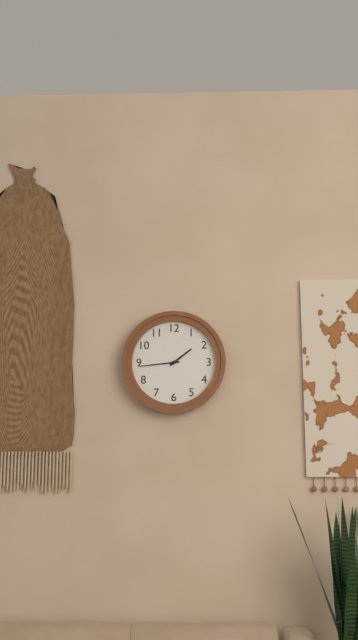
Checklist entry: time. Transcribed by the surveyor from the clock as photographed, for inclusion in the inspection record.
1:44
